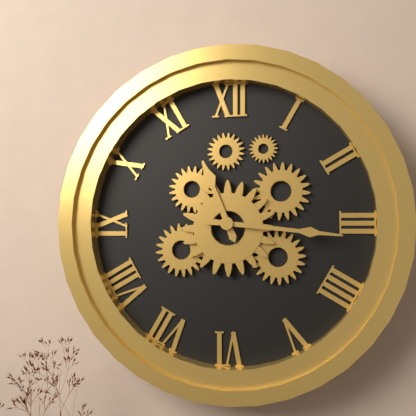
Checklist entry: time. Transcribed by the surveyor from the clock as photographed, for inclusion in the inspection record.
11:16
